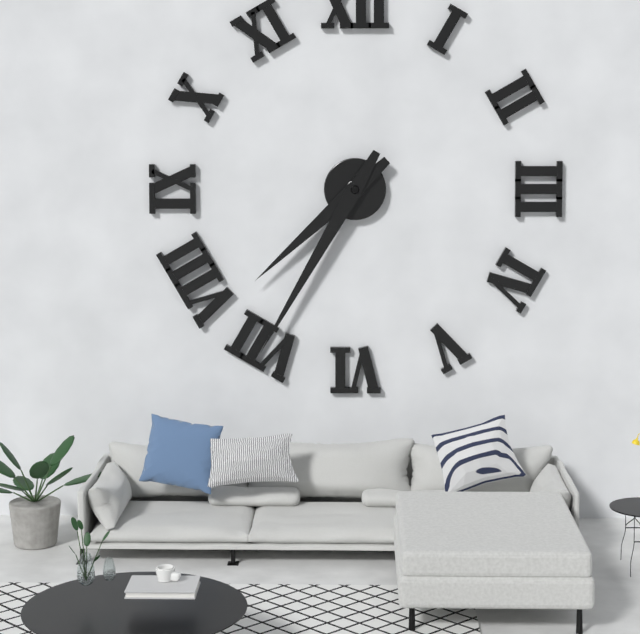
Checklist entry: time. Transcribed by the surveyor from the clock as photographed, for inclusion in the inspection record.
7:35
